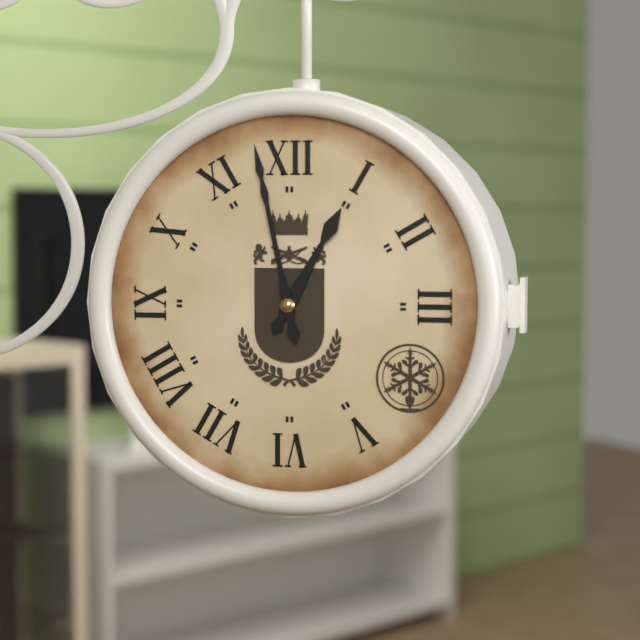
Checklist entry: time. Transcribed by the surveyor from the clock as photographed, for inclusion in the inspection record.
12:58
